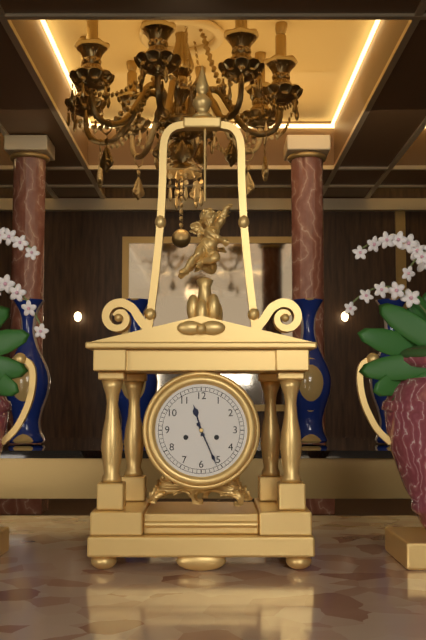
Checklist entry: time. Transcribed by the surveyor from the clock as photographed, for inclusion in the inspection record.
11:26
